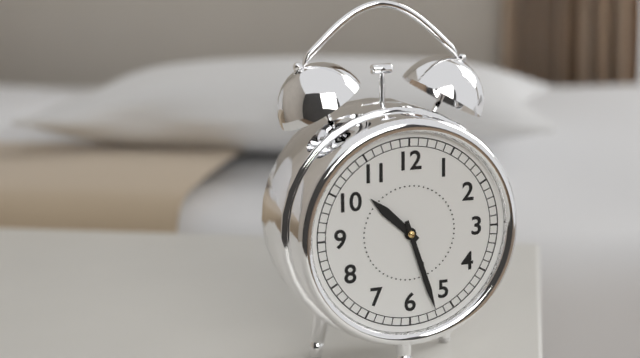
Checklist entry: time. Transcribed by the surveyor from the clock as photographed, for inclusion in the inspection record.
10:27
